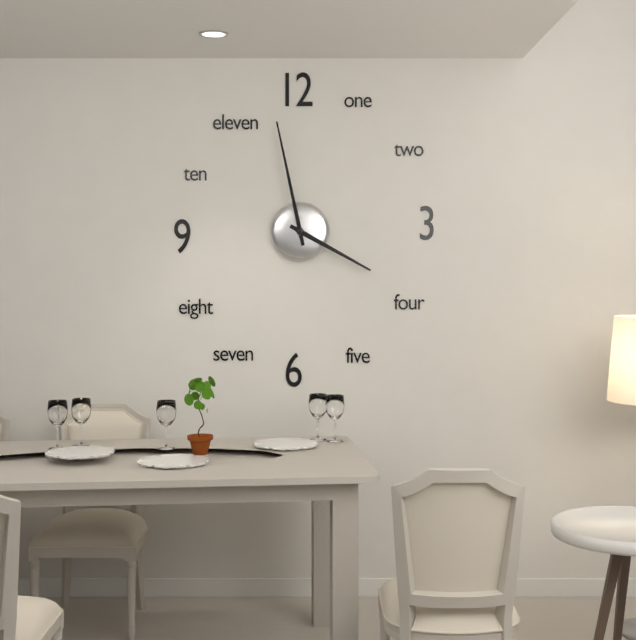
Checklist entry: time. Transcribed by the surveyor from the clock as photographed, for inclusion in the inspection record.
3:58
